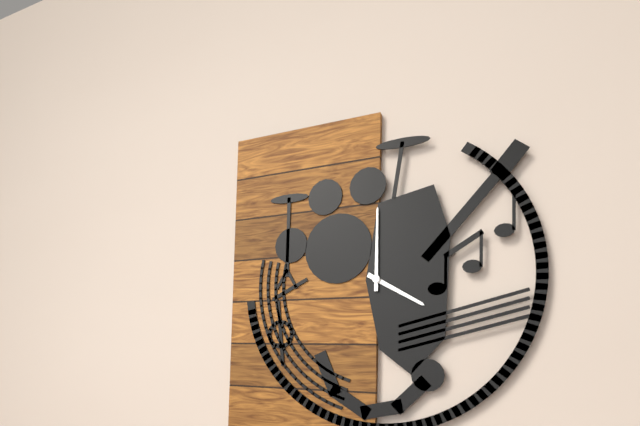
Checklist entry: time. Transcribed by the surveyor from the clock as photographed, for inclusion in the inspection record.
4:00
